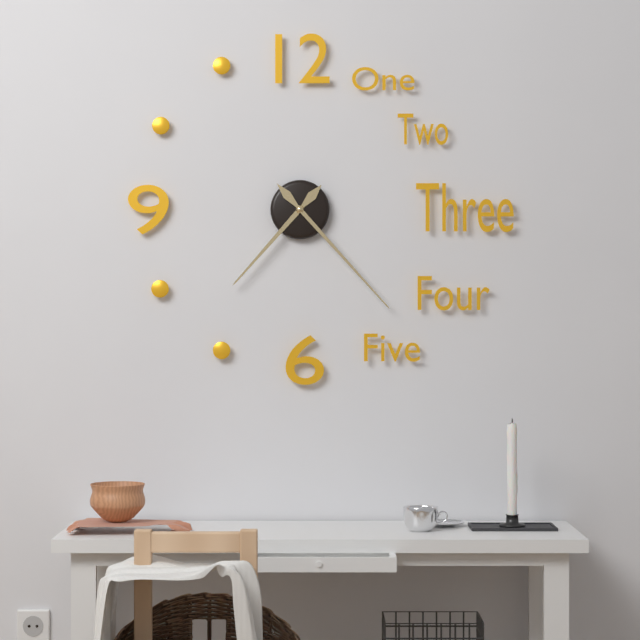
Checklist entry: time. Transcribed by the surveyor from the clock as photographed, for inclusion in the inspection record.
7:23
